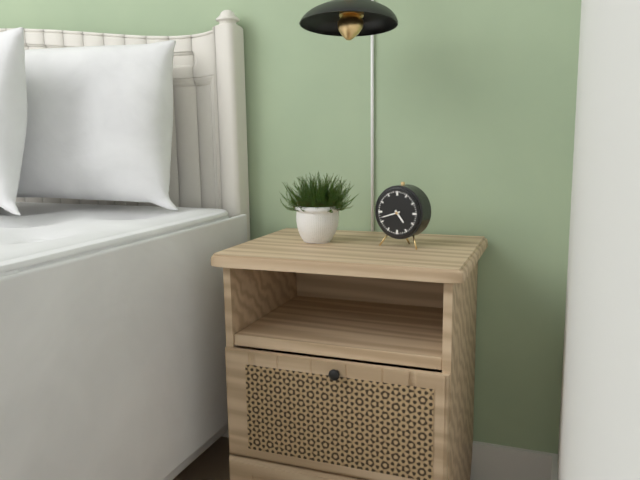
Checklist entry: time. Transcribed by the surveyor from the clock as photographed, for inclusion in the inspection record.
4:42
